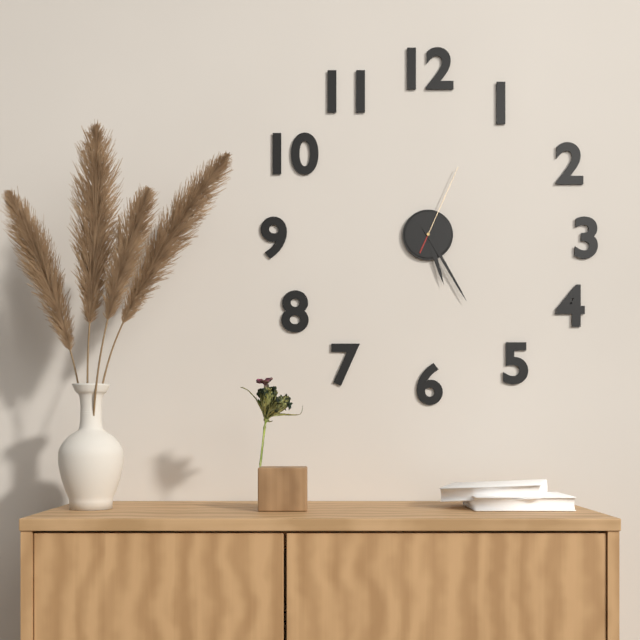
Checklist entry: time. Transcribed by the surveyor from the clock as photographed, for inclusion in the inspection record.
5:25:04
